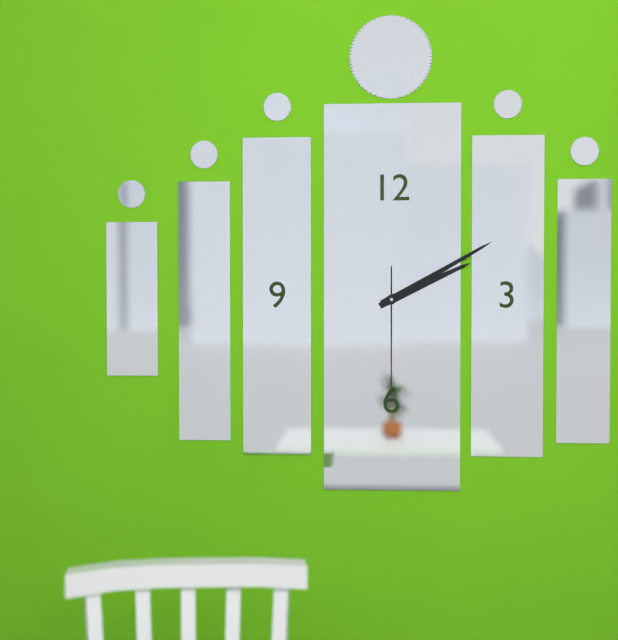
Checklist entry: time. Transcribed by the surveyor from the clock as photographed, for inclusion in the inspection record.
2:10:30
